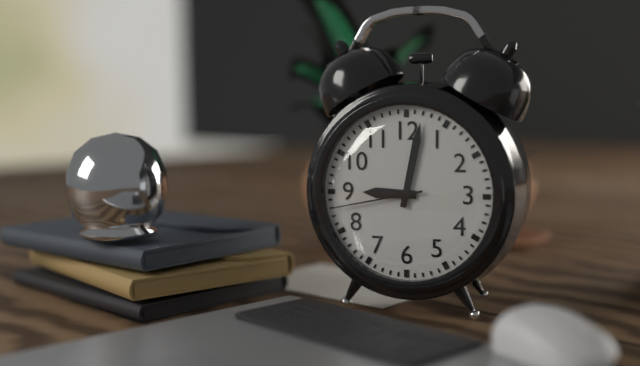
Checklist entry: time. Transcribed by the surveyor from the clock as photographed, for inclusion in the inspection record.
9:02:43
